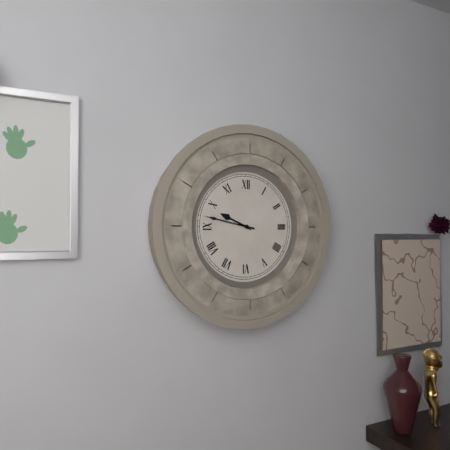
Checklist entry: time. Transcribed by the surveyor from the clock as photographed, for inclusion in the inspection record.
9:47
